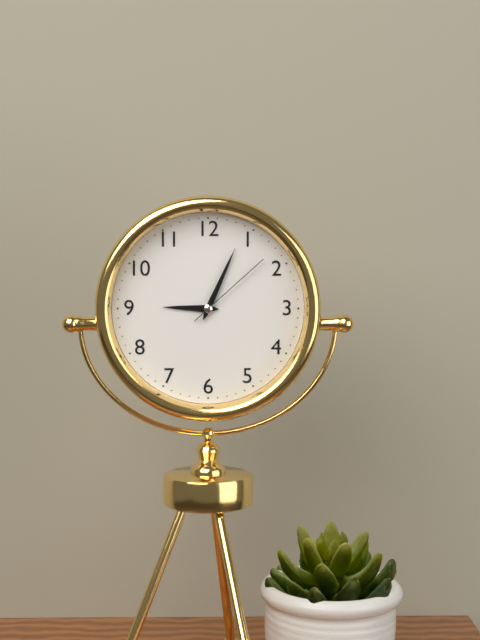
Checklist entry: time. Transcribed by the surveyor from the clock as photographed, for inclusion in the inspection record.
9:04:08
